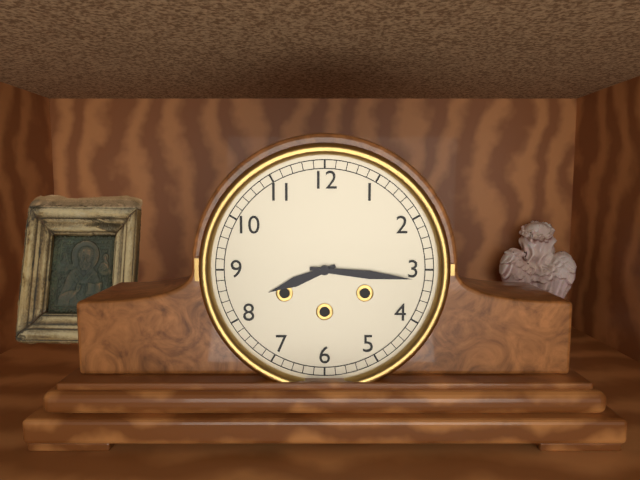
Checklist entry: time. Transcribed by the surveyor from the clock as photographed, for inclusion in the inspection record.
8:16
